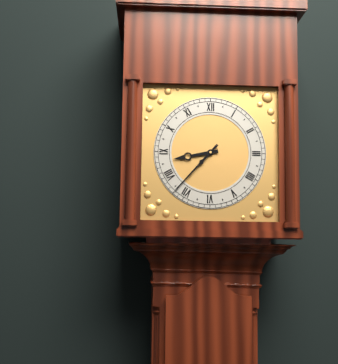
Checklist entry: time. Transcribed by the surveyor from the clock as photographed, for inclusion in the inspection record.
8:37
